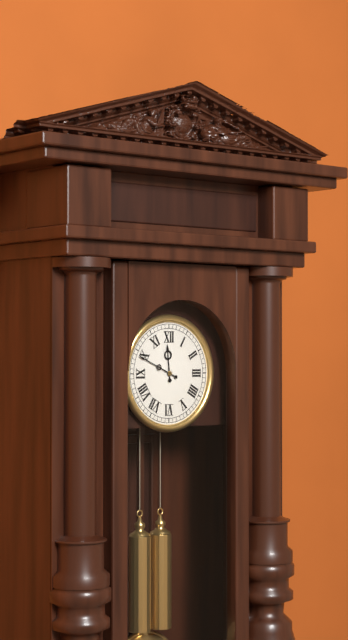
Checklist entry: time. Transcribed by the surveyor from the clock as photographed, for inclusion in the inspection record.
11:49
